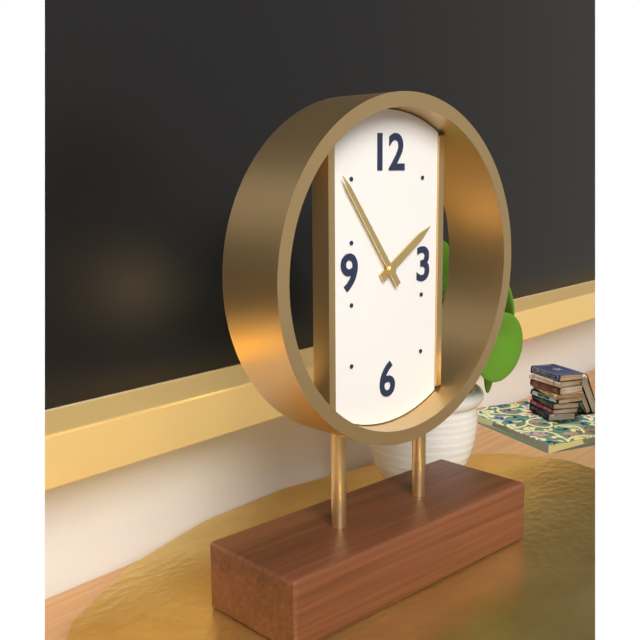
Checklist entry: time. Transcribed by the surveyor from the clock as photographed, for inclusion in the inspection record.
1:54
